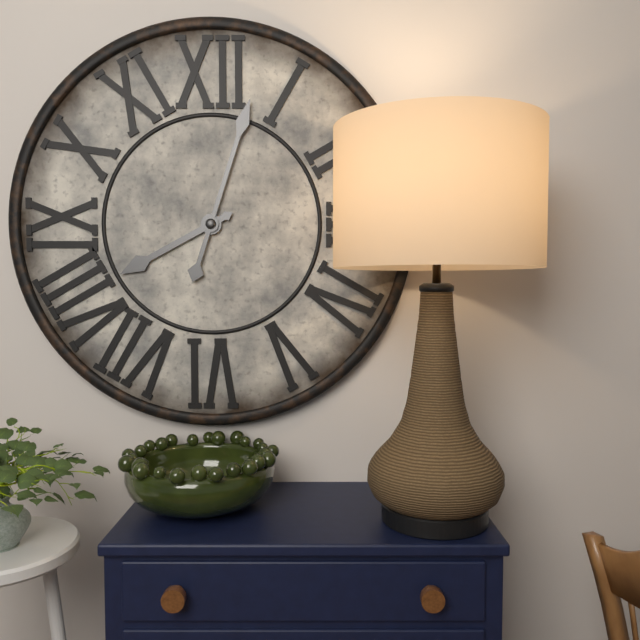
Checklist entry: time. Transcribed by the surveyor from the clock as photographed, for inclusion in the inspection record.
8:03
